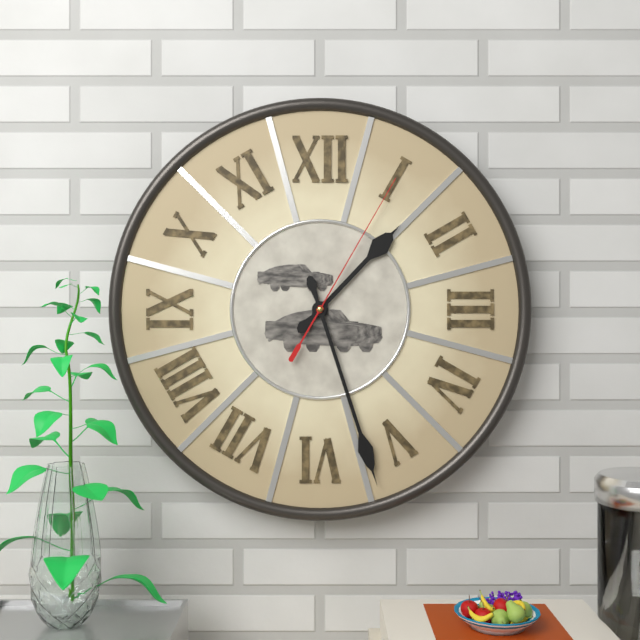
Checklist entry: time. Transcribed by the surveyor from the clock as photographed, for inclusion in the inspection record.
1:27:05
